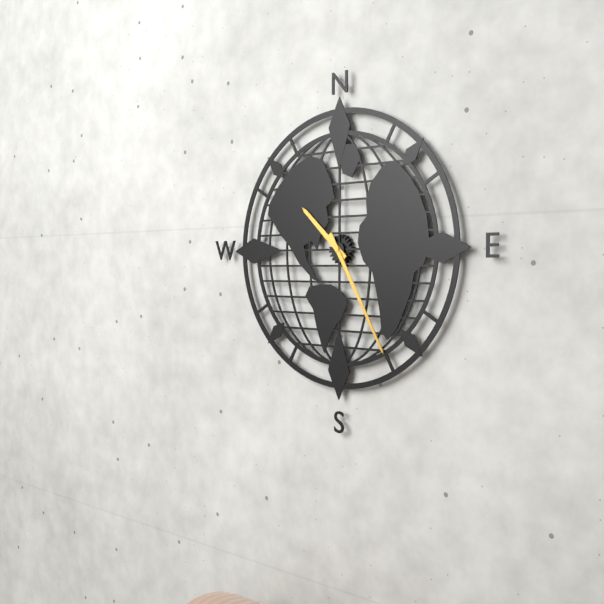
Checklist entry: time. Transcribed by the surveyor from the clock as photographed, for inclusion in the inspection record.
10:25
